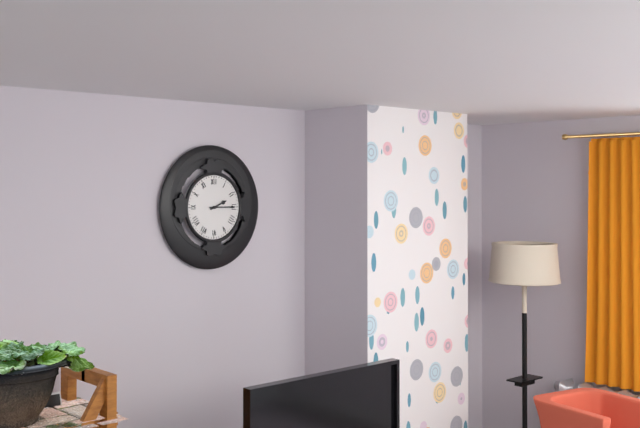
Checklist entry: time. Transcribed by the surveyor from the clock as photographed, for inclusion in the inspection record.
2:15
